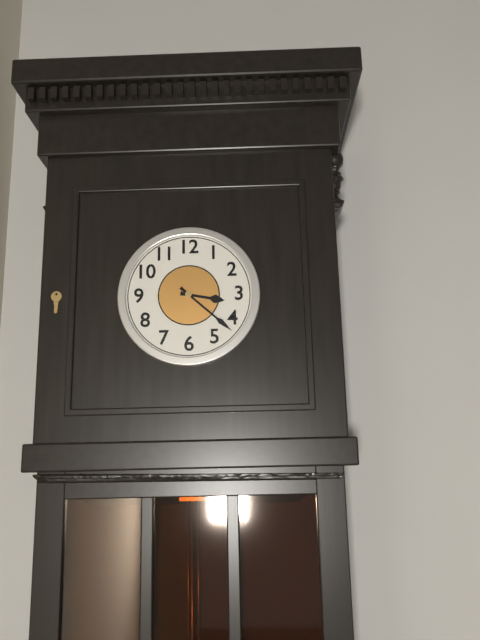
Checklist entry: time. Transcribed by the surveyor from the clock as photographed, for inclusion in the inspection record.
3:22
